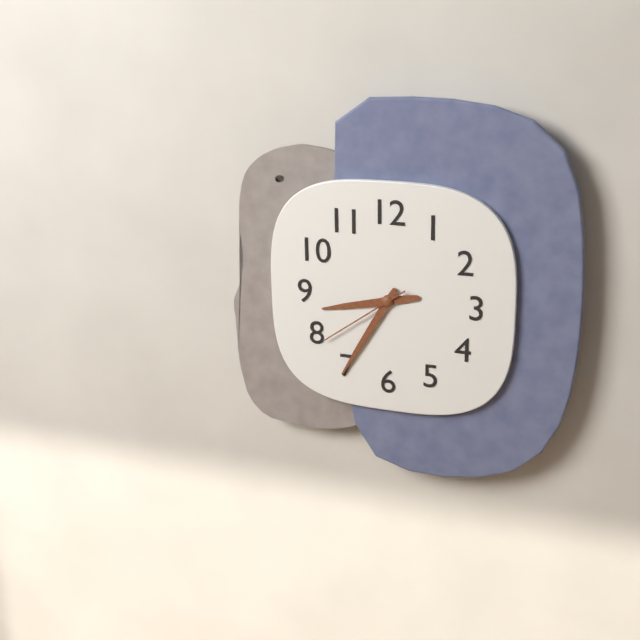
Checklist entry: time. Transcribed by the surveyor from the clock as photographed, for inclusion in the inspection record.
8:35:39
